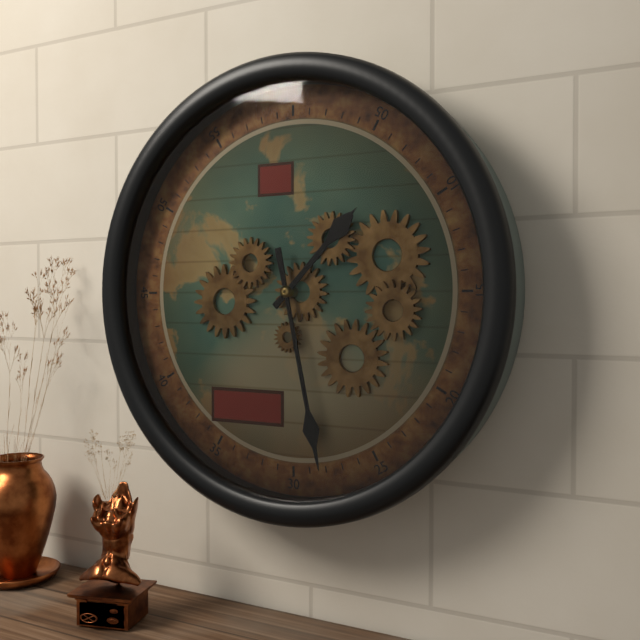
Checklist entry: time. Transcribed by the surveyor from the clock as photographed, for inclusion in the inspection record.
1:28
